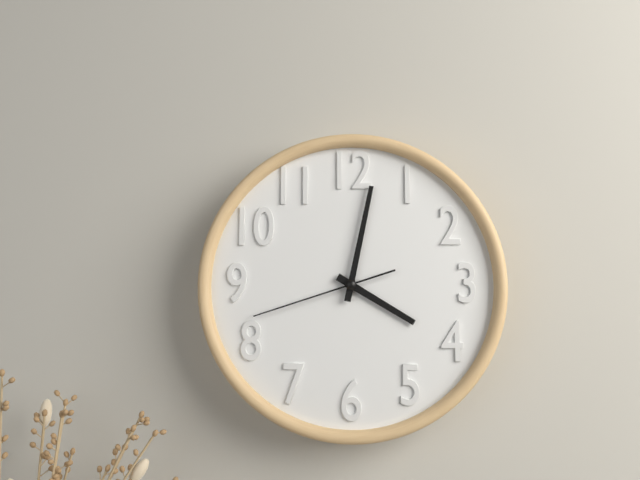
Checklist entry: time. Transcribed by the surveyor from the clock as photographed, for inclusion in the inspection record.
4:02:42
